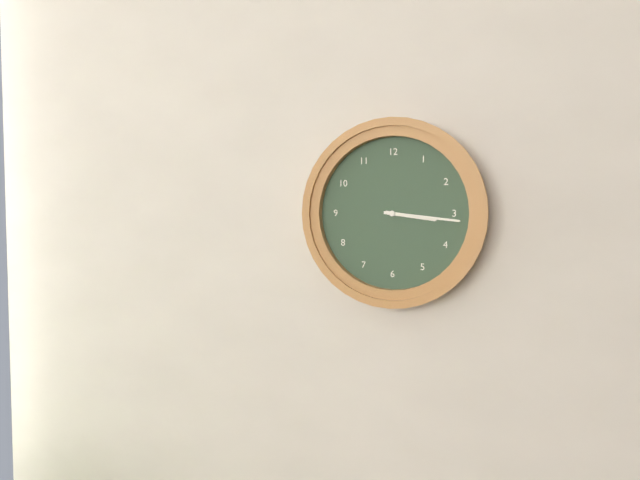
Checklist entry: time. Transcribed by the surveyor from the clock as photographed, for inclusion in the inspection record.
3:16
